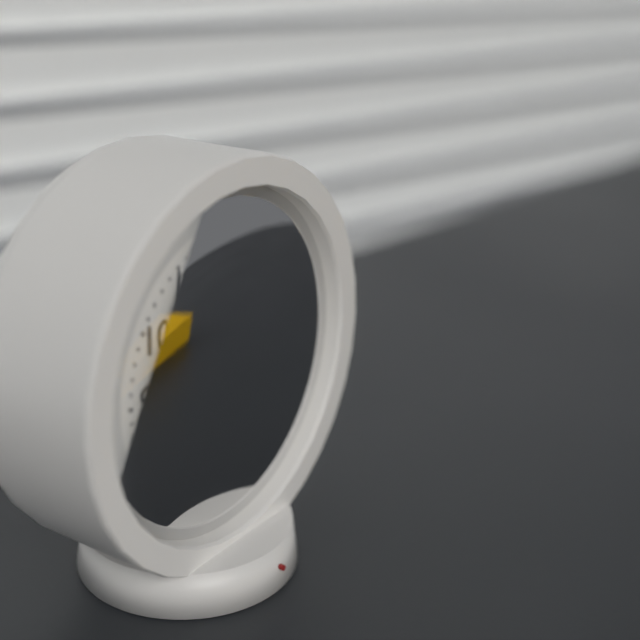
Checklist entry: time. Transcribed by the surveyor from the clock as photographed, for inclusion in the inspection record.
5:30:34
